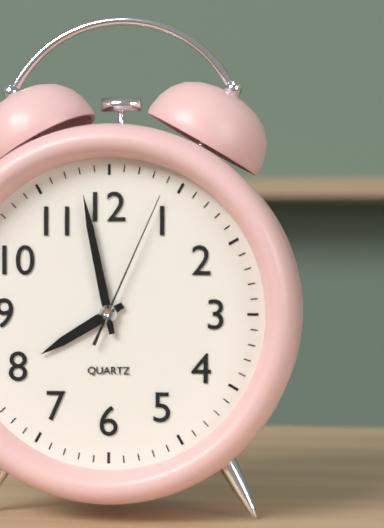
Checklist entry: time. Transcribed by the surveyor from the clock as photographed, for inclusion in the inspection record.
7:58:04
